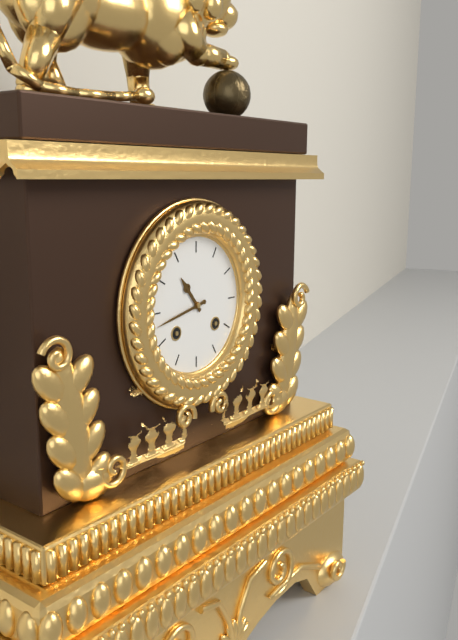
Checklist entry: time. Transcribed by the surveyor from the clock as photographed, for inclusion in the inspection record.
10:43
